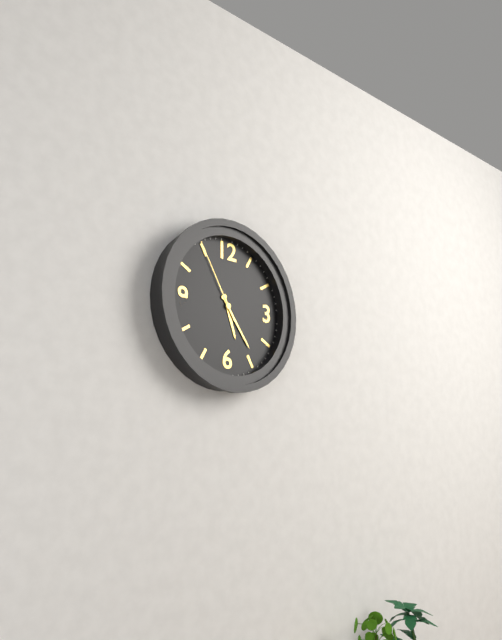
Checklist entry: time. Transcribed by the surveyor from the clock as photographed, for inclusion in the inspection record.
5:24:55
